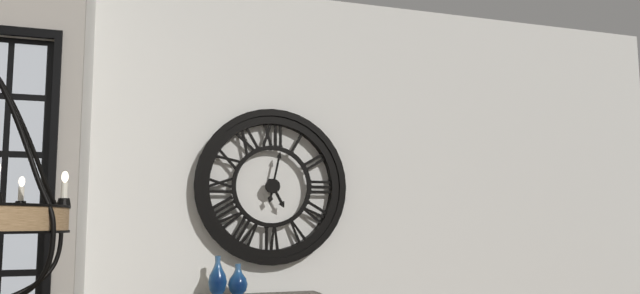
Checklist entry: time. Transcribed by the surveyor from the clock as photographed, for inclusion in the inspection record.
5:02
